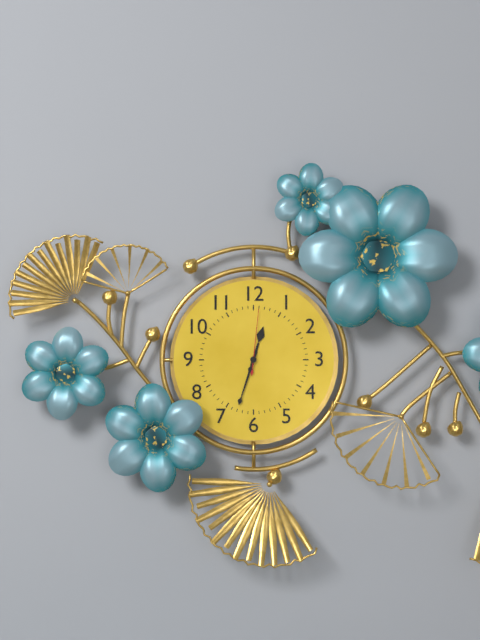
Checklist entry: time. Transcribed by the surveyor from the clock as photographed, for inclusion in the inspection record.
12:33:01
